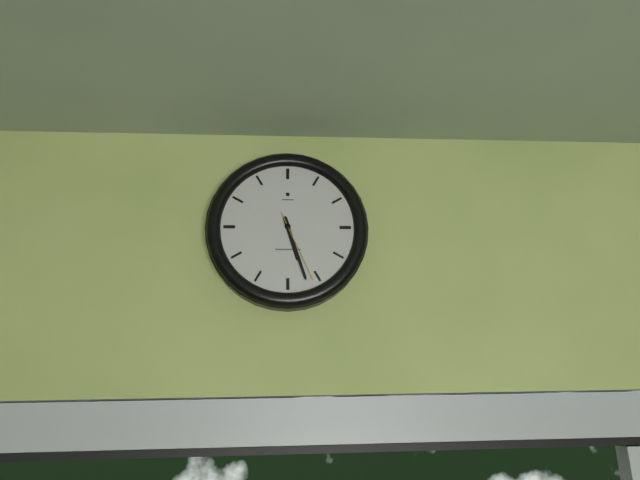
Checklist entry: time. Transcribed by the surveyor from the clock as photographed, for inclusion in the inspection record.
5:27:26
